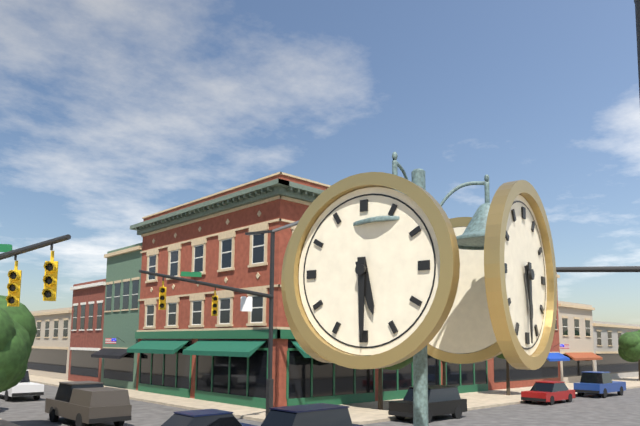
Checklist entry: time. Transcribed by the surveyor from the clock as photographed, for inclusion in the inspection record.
5:30
